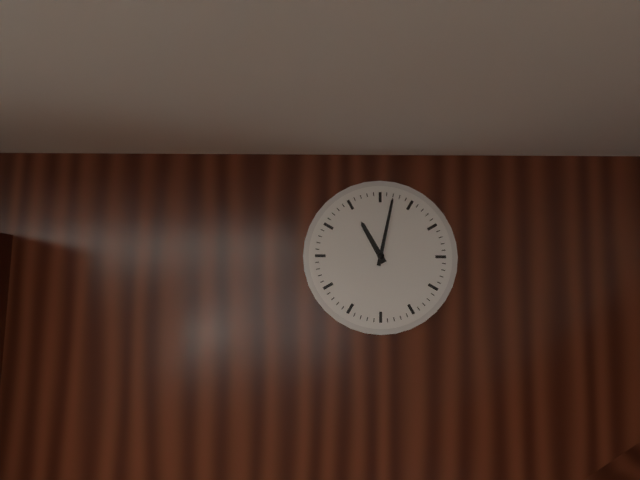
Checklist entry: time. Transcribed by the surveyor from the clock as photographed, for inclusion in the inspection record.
11:02
